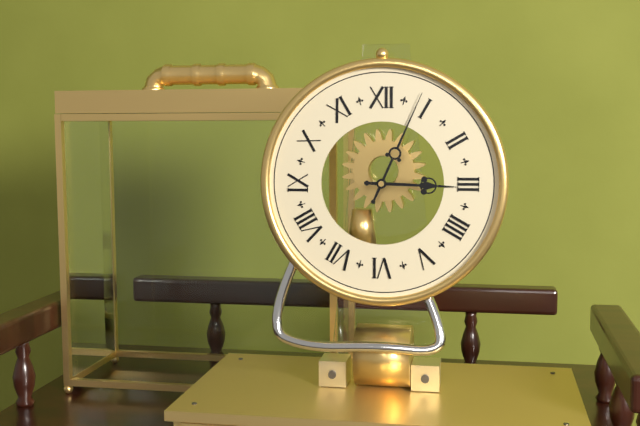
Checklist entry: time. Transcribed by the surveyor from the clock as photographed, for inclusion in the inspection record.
3:04
